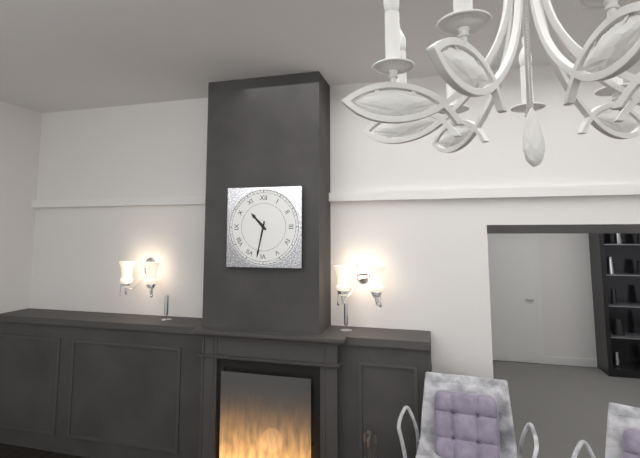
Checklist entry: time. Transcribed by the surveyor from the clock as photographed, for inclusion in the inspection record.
10:32
